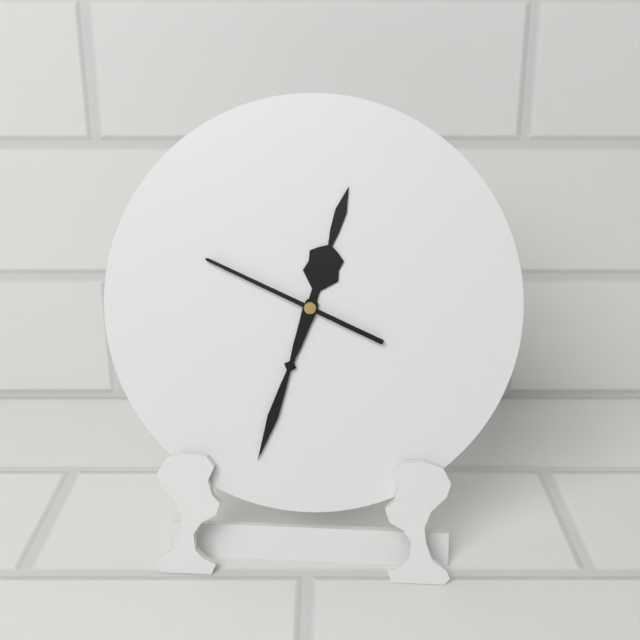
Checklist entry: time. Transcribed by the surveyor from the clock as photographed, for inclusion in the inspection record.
12:33:49
